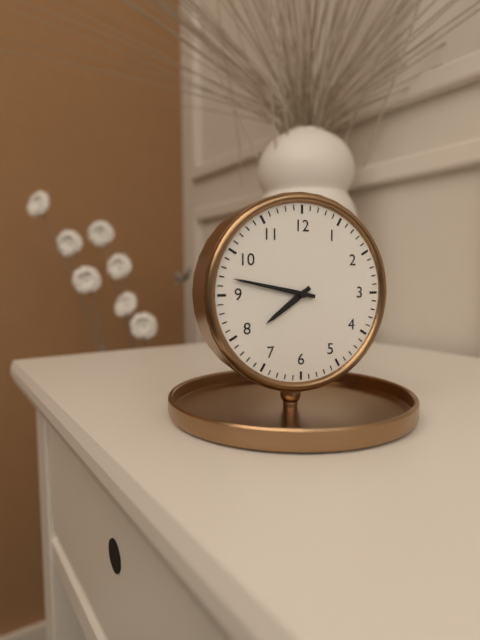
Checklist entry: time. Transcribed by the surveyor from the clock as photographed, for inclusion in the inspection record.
7:47
